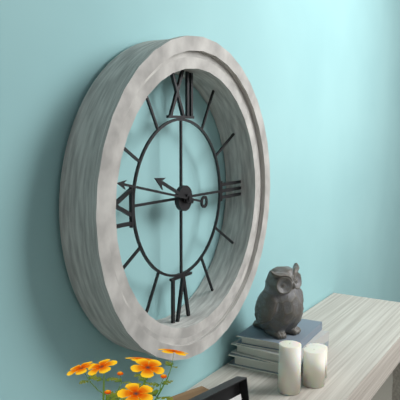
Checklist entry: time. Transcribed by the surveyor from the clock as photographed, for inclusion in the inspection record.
9:47
